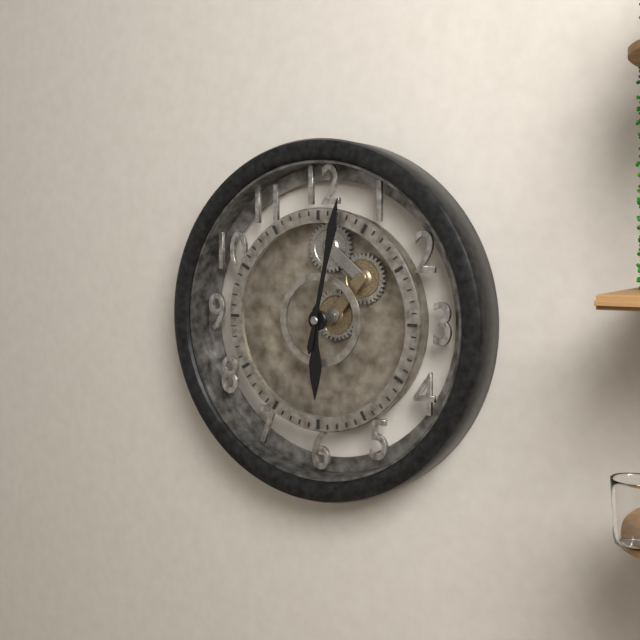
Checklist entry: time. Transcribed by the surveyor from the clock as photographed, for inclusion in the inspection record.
6:02
